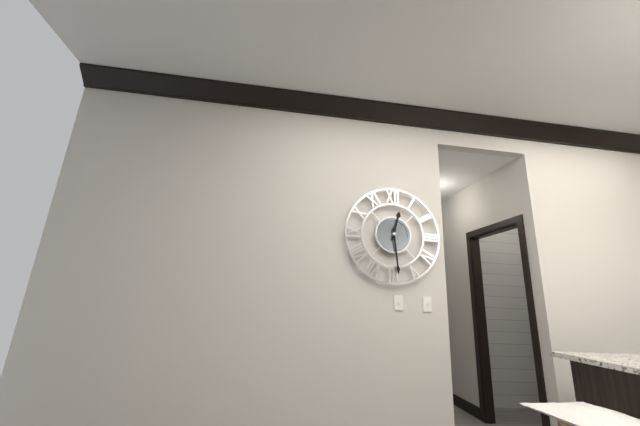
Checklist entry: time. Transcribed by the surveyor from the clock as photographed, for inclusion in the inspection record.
12:29
